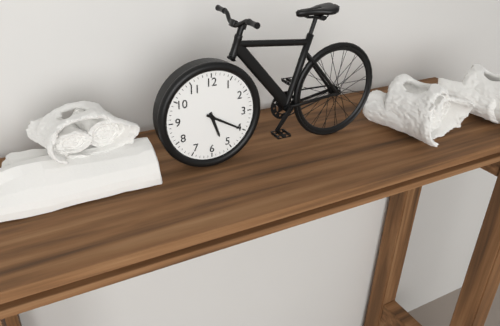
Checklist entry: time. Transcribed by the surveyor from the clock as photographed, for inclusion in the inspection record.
5:20
